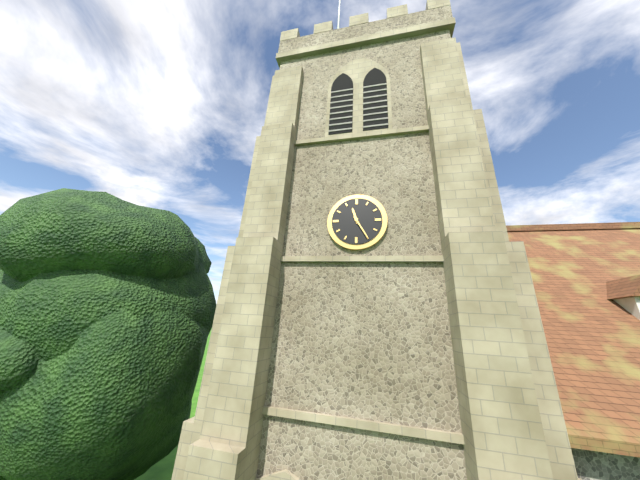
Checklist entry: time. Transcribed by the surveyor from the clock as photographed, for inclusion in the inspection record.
11:25
